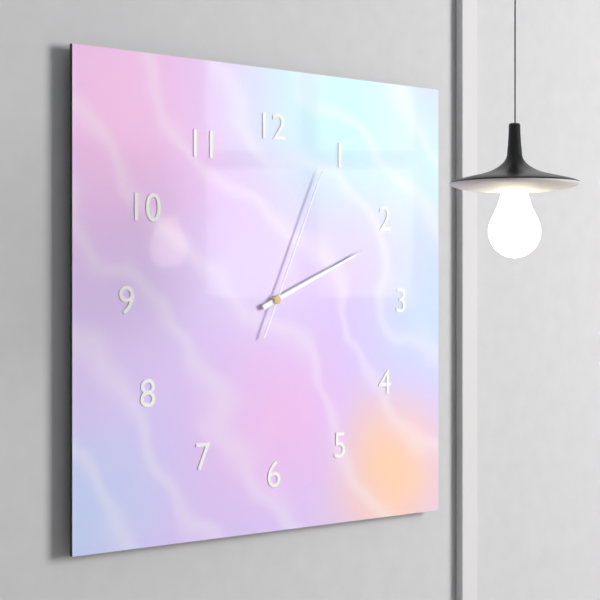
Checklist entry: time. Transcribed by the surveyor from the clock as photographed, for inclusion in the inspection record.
2:11:04
